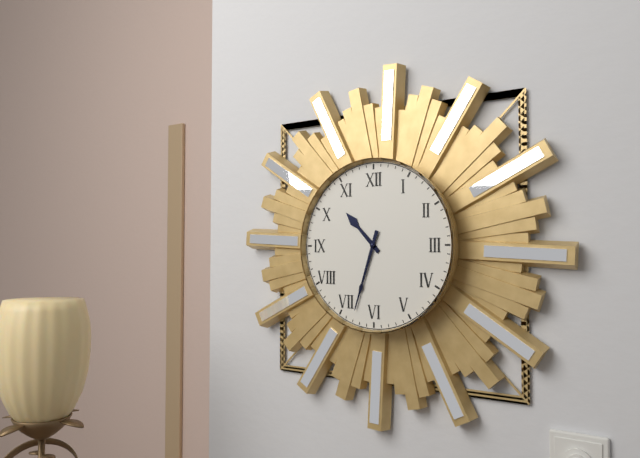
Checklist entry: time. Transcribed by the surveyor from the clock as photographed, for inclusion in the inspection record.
10:33
